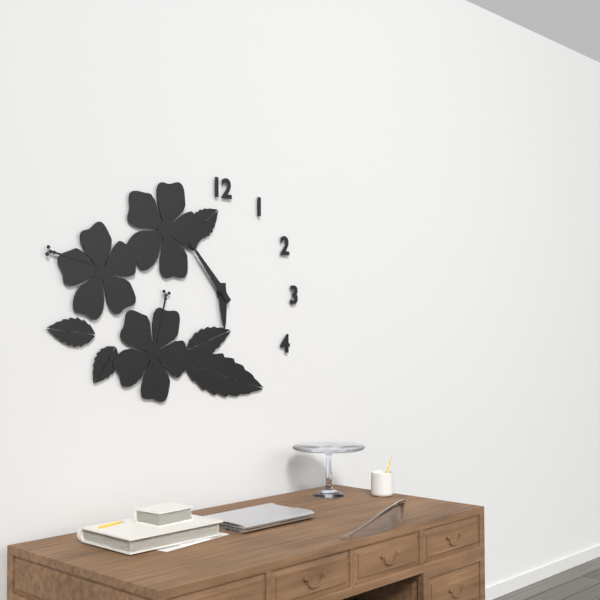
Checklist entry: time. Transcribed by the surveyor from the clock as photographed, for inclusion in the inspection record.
5:53
